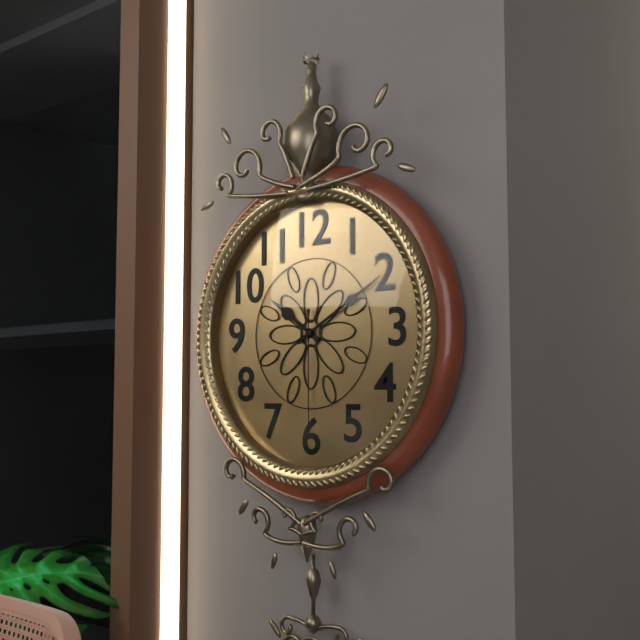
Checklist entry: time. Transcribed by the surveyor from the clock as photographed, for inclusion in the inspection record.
10:10:30
